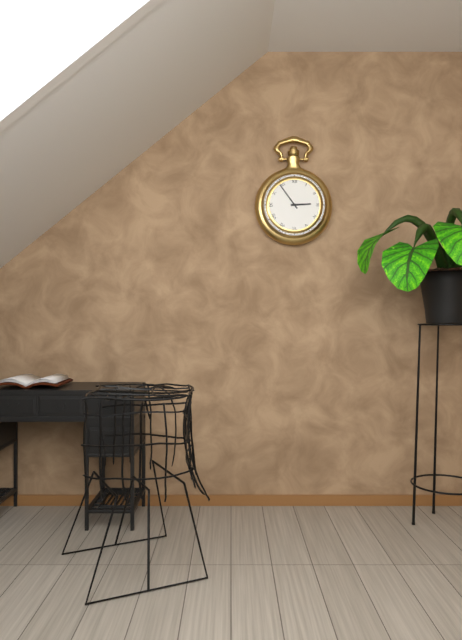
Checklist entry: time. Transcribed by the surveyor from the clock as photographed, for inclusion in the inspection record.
2:54
